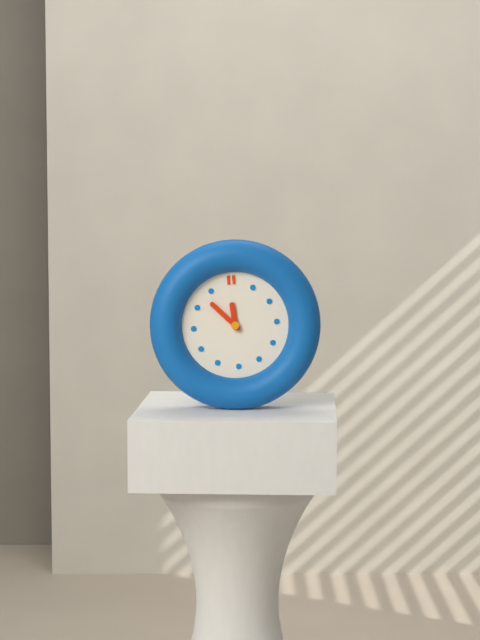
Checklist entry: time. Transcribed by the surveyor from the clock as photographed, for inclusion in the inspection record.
11:53
